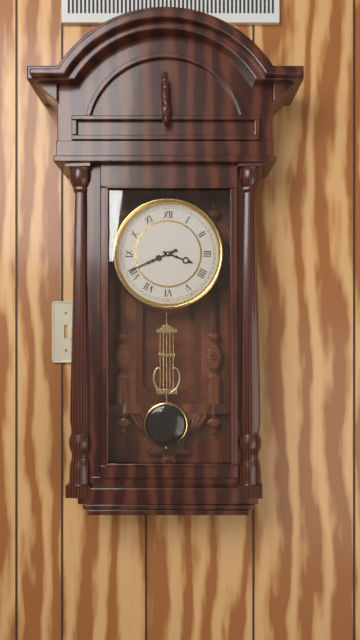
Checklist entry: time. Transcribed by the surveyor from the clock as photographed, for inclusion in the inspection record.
3:41
